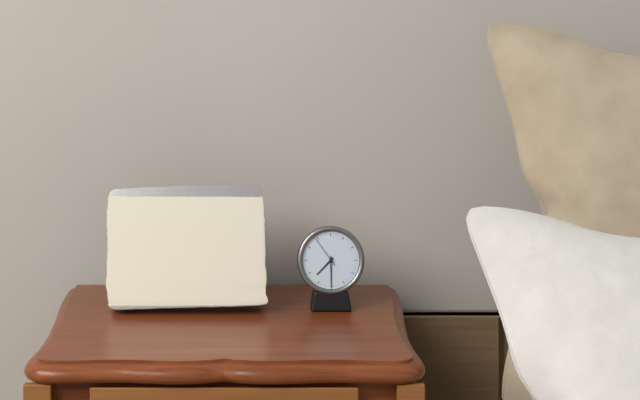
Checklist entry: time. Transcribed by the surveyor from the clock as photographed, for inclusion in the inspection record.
7:30
